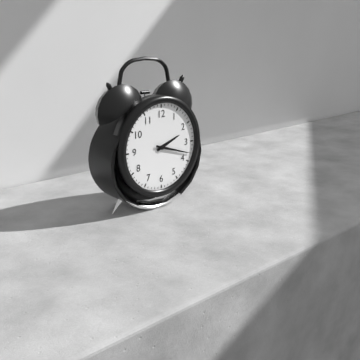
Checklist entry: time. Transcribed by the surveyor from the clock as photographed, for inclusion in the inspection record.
2:18
